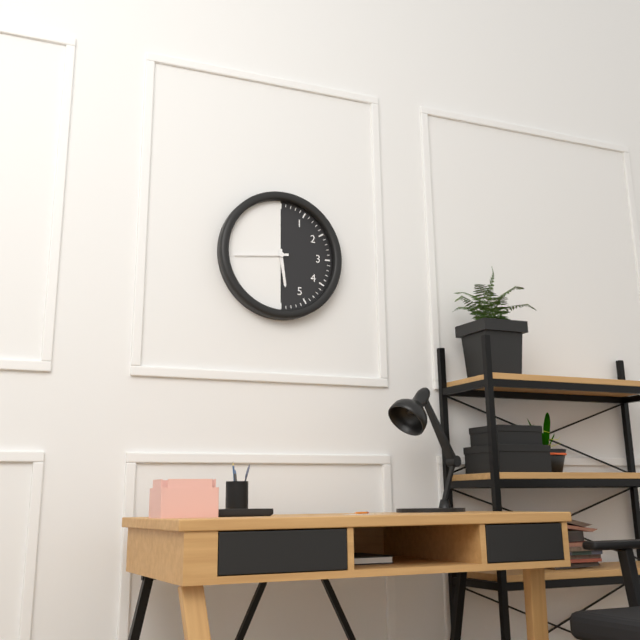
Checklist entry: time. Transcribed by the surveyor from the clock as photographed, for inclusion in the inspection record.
5:44
